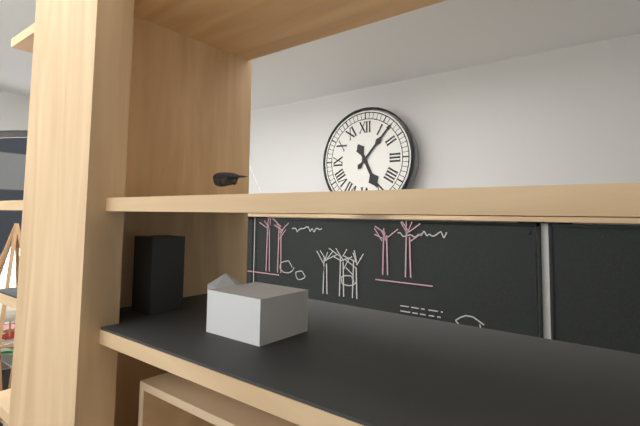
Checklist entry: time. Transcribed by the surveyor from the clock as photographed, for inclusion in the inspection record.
5:07
